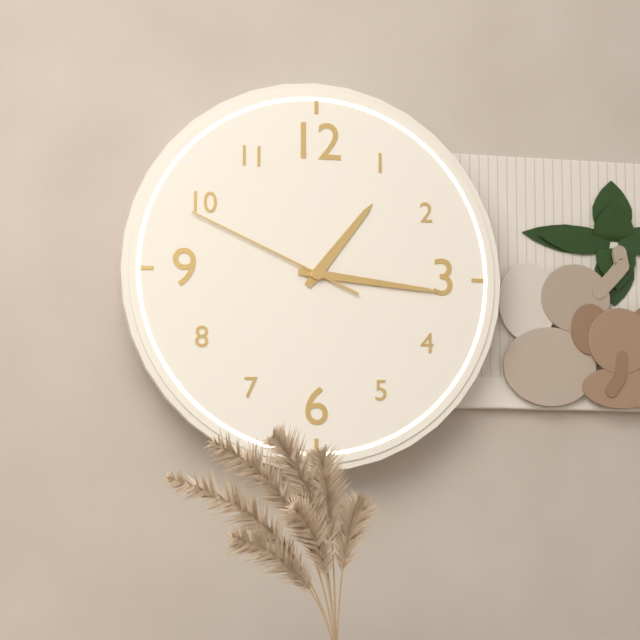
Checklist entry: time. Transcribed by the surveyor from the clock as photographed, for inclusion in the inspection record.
1:16:49
